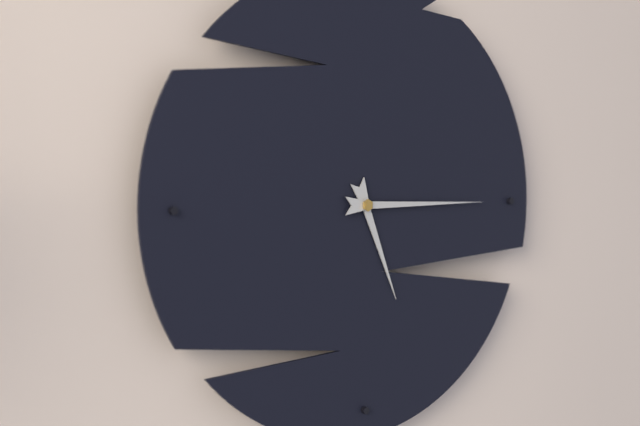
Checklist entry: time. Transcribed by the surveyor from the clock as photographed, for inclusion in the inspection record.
5:15
